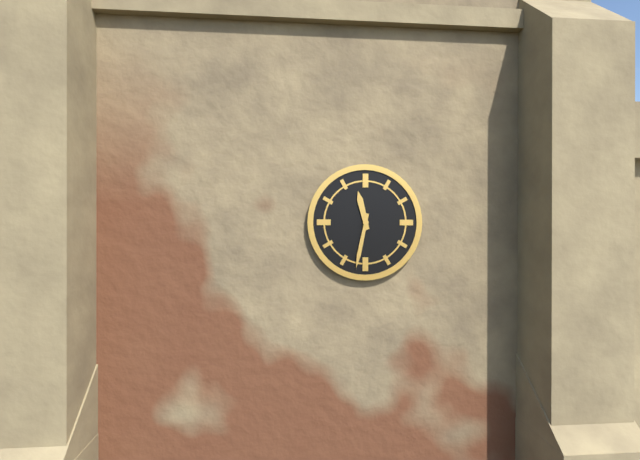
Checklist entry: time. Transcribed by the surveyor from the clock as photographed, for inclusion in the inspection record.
11:32
